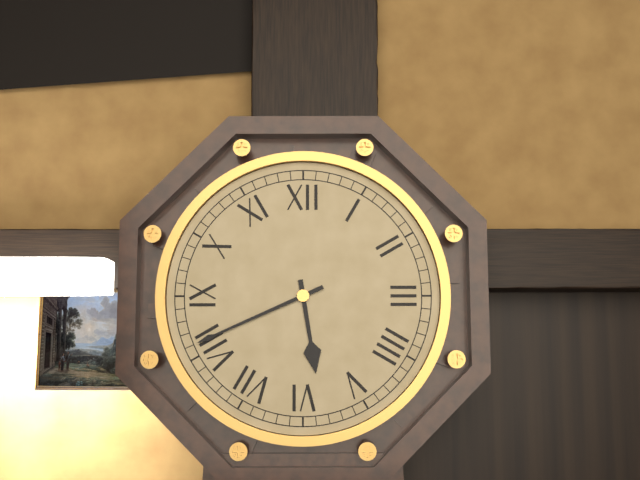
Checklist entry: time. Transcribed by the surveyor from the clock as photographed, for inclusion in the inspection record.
5:41
